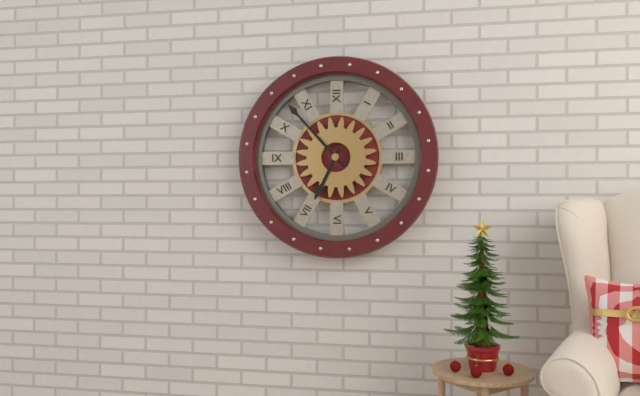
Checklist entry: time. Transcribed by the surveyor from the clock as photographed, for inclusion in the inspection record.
6:53
